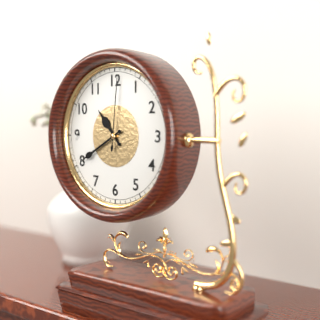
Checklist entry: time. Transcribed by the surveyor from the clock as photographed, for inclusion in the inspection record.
10:40:01
